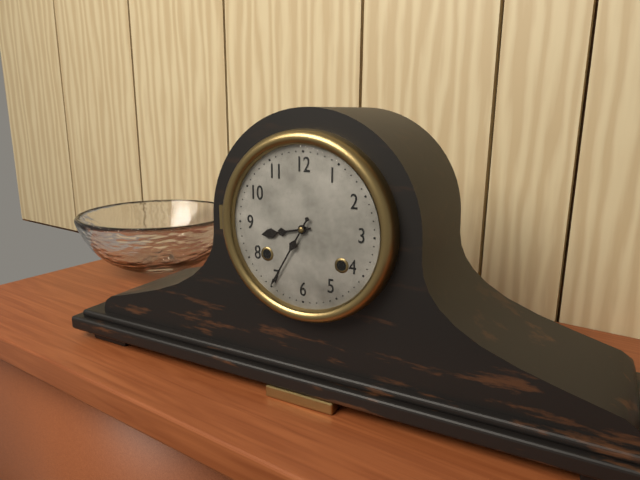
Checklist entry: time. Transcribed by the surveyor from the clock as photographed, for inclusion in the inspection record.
8:35
